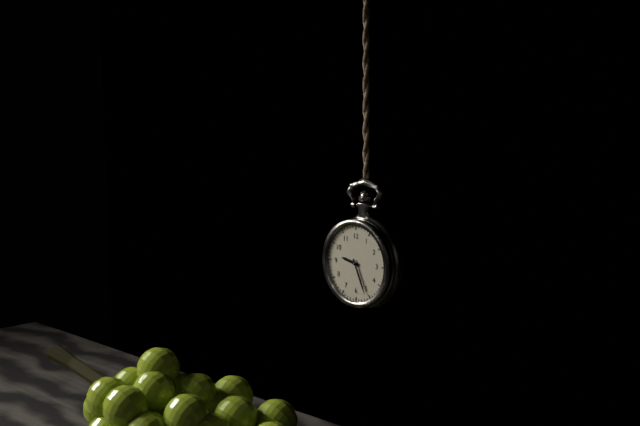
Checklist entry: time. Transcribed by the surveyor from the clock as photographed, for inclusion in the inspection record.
9:26
